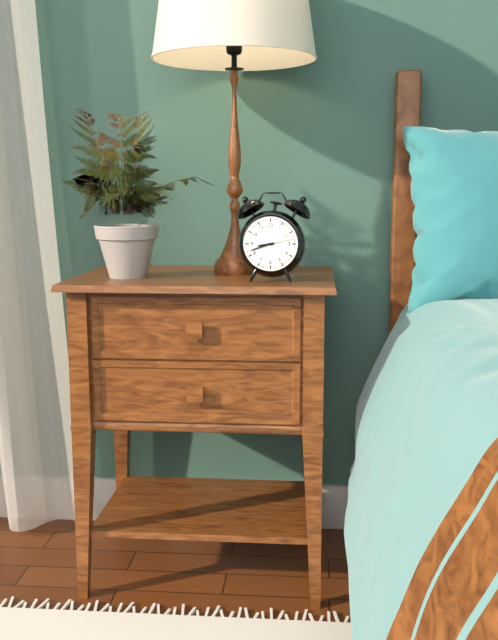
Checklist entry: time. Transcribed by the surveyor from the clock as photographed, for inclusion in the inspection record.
8:42
